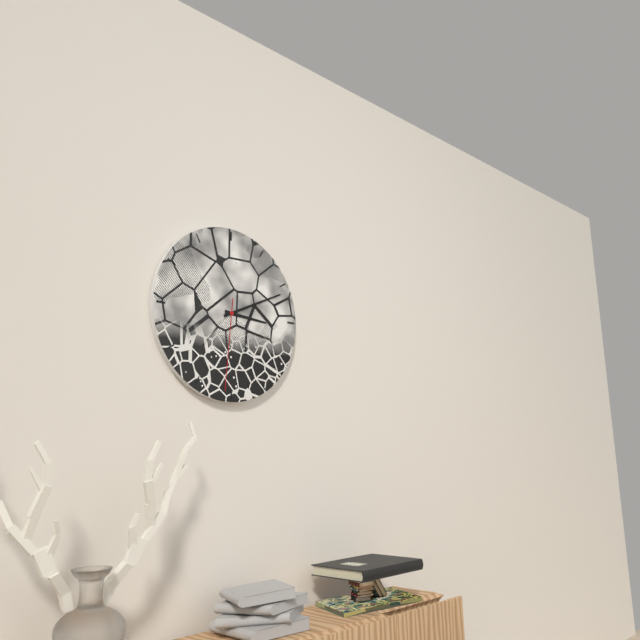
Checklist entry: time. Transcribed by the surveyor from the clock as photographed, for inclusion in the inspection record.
3:11:31
